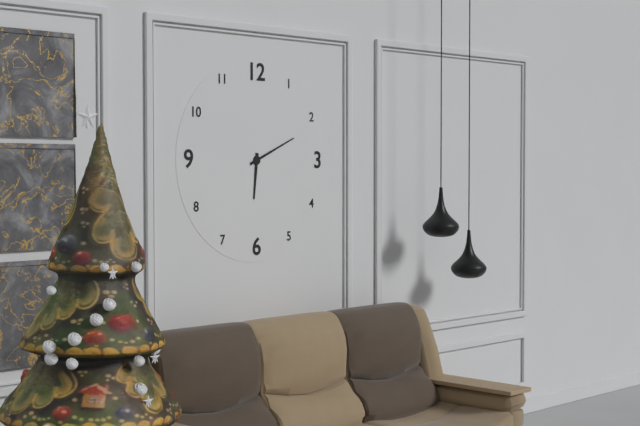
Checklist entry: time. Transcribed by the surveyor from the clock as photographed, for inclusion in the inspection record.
6:11
